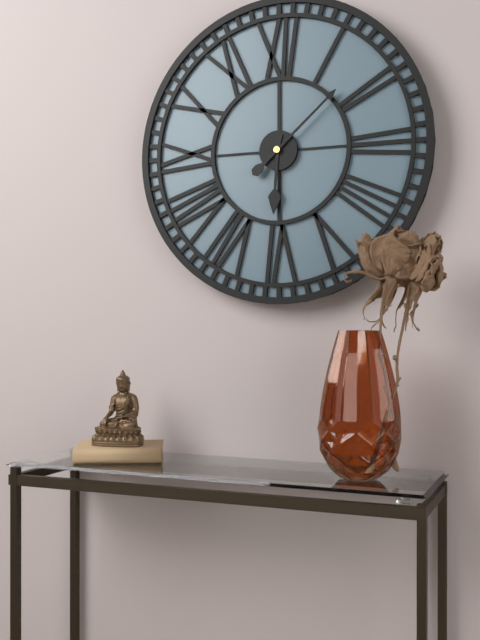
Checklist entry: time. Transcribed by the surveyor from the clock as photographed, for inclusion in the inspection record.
6:08
